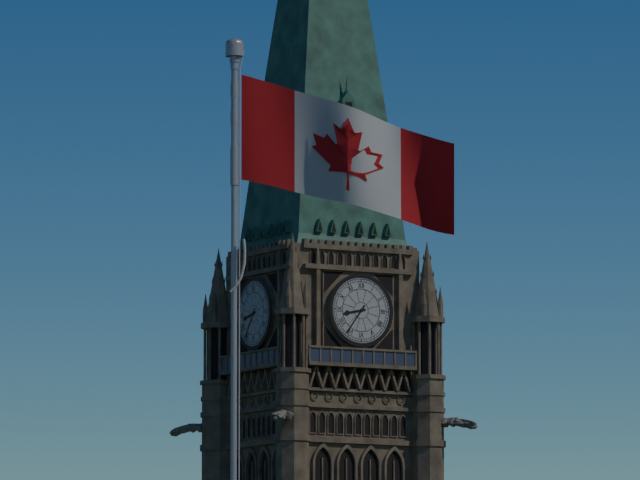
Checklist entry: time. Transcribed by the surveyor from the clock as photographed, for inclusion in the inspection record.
8:36
